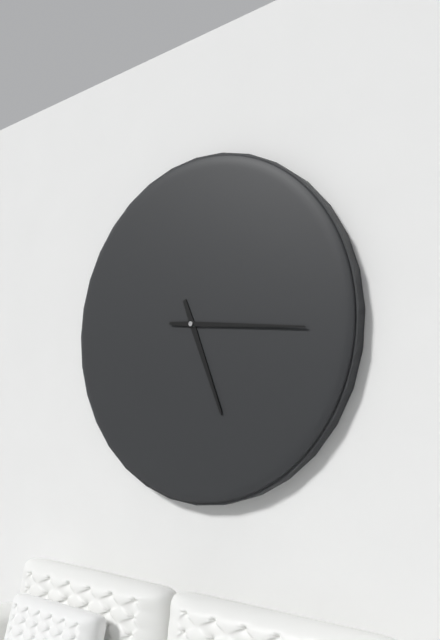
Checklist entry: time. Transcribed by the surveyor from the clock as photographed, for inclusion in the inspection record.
5:16
